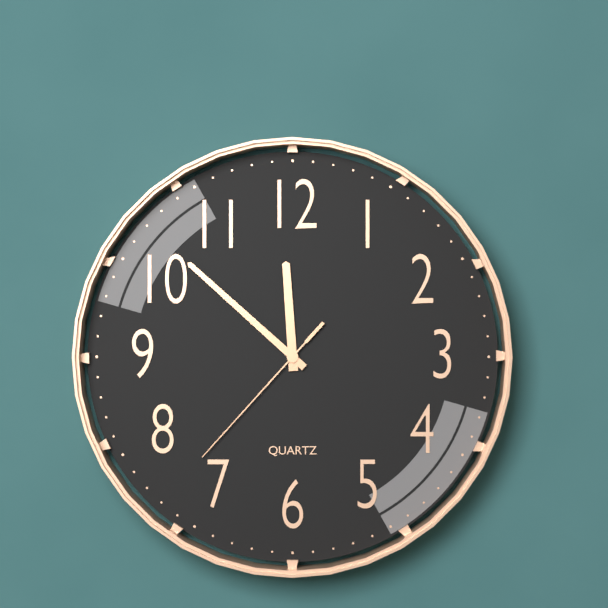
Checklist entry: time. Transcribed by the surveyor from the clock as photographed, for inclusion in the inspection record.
11:52:37
